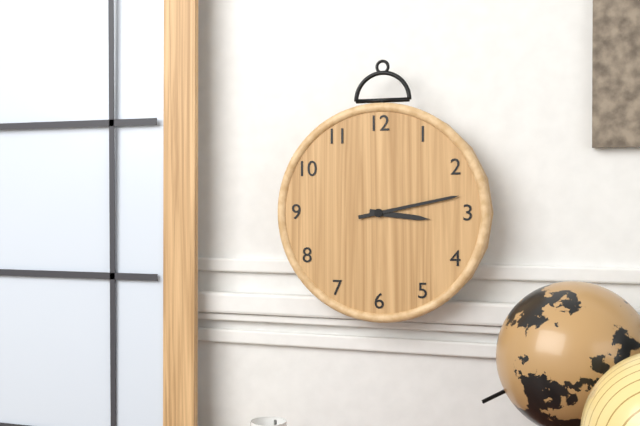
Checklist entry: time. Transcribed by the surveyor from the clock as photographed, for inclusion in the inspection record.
3:13
